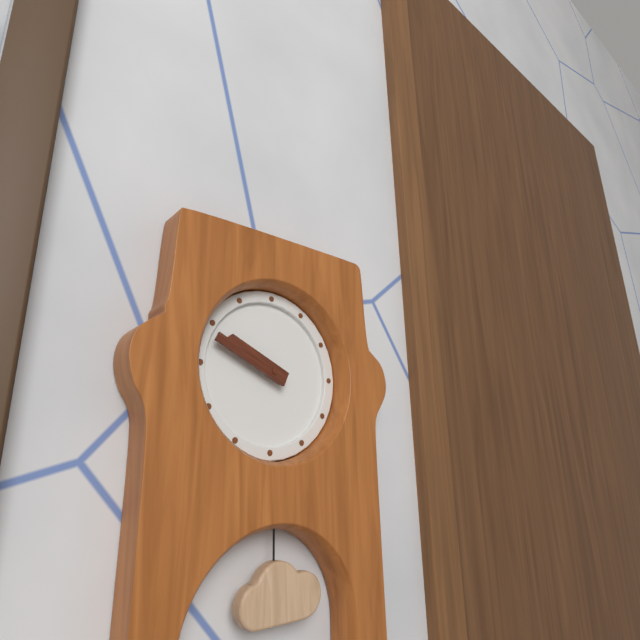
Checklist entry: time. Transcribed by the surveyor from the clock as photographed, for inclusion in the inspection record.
9:49
